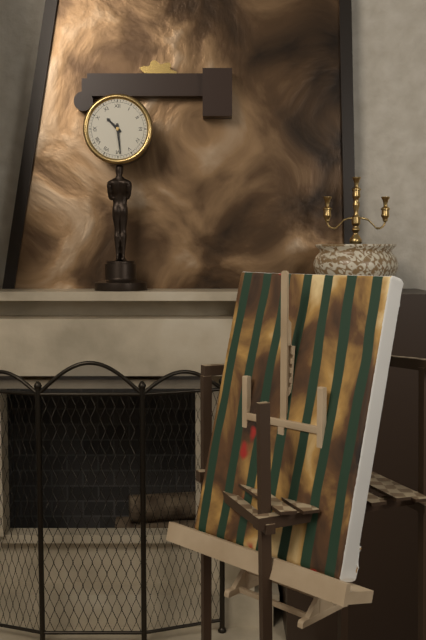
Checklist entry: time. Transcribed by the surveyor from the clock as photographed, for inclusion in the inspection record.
10:29
